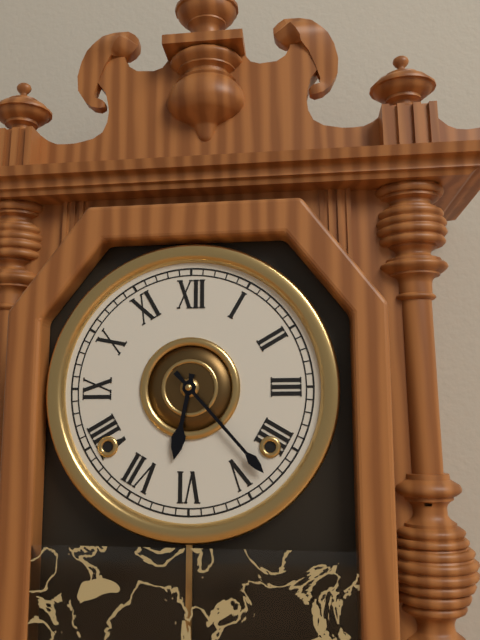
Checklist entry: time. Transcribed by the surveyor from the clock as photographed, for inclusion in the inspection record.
6:23
